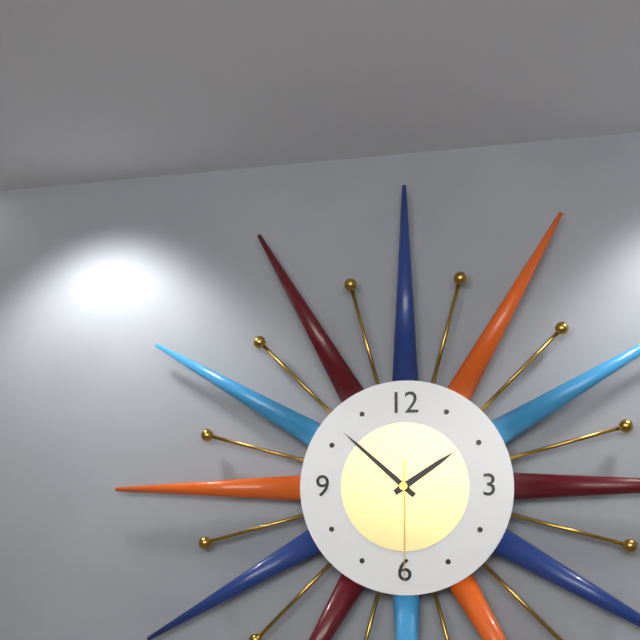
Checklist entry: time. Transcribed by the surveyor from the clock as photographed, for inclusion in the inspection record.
1:52:30
